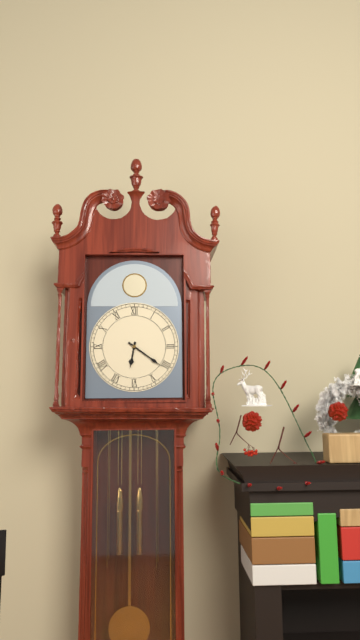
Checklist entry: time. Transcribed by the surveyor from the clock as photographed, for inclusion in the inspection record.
6:21
